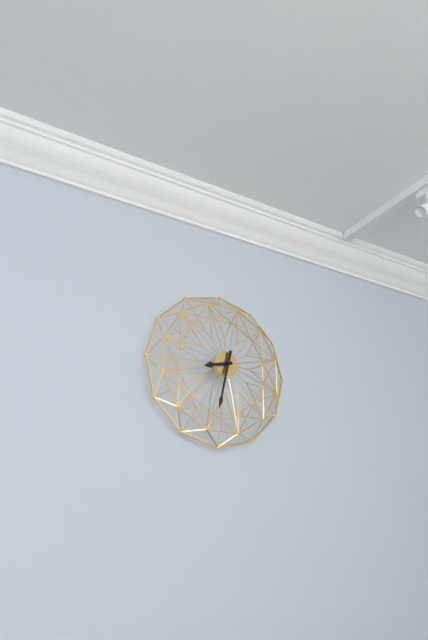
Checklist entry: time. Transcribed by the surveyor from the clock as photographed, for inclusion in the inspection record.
8:32
